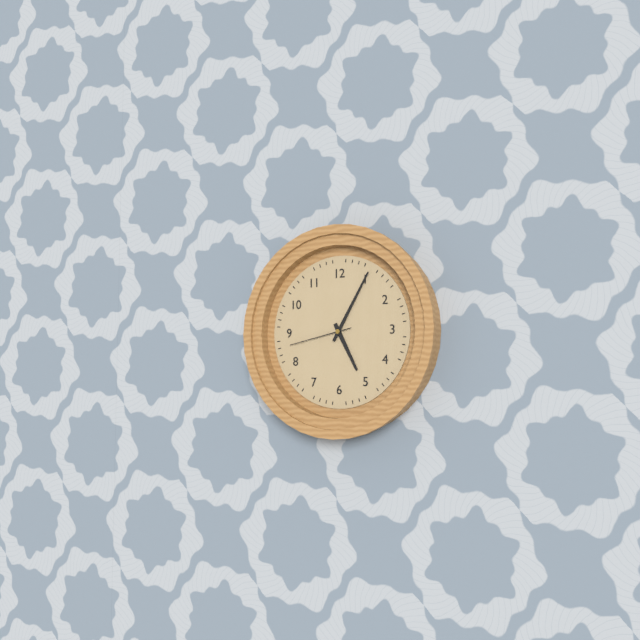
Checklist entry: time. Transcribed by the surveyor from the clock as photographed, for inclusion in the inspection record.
5:05:43
